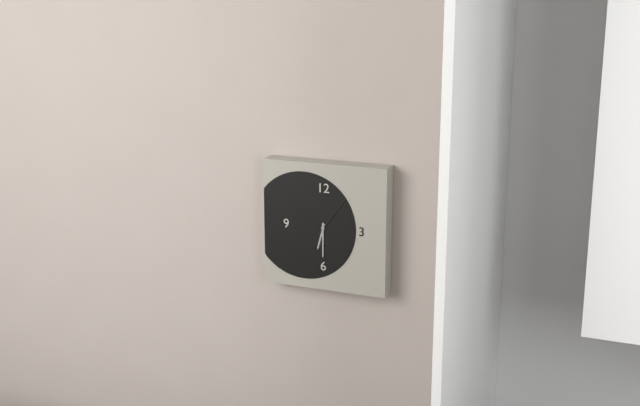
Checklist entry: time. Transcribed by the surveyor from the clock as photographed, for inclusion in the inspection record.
6:30
